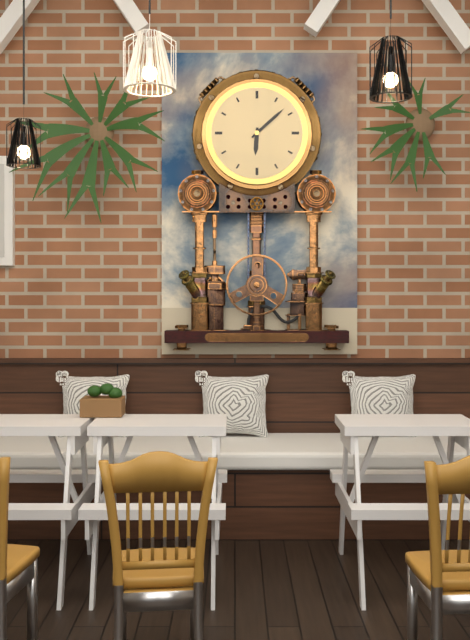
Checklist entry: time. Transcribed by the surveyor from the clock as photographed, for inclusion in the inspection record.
6:08
